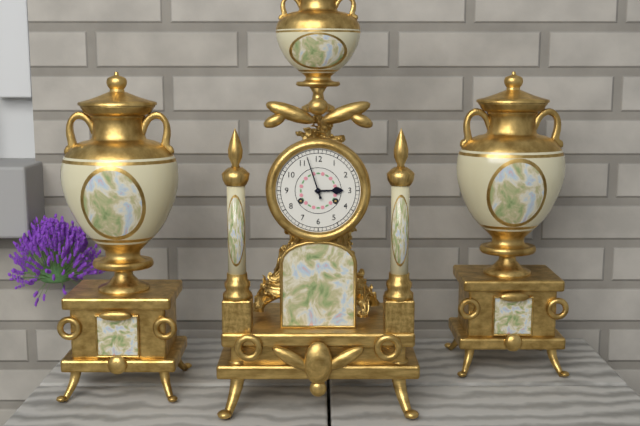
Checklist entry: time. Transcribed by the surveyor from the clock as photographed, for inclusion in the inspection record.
2:57
